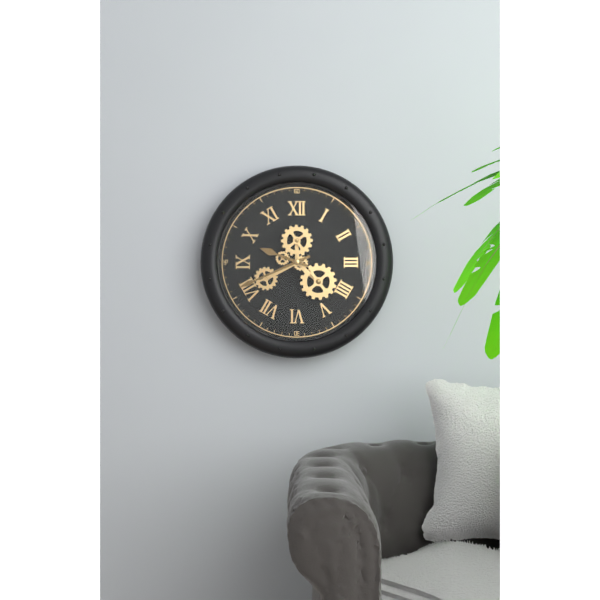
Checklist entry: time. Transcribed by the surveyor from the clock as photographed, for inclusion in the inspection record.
9:41
